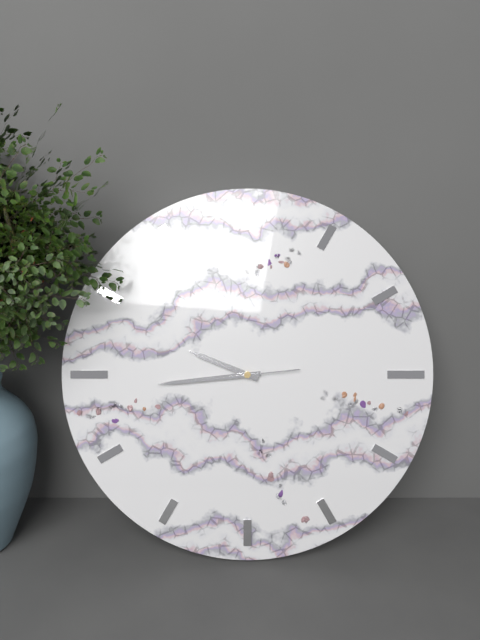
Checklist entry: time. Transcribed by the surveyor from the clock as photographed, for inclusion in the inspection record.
9:44:14
